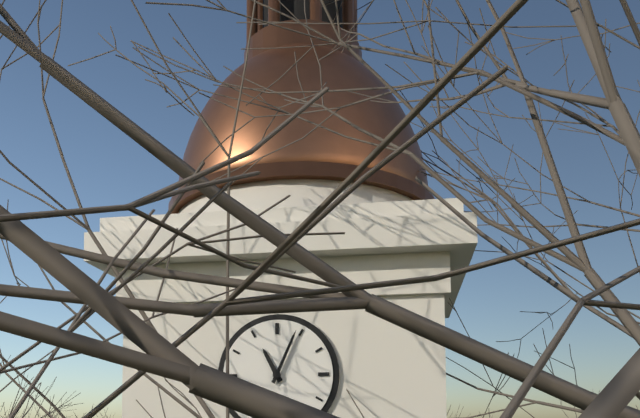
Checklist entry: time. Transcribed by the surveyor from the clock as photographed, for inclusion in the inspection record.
11:04
